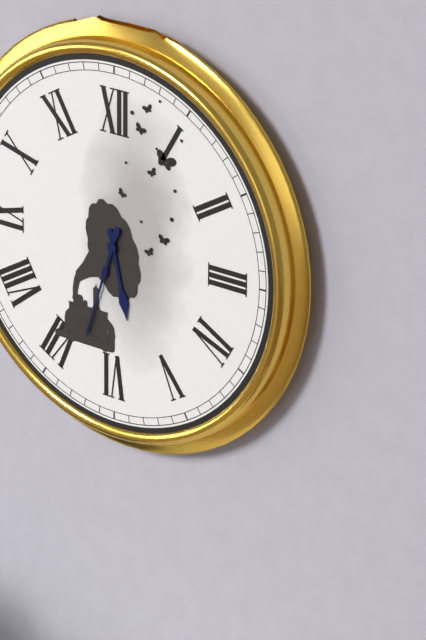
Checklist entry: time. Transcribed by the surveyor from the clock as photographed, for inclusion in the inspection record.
5:33
